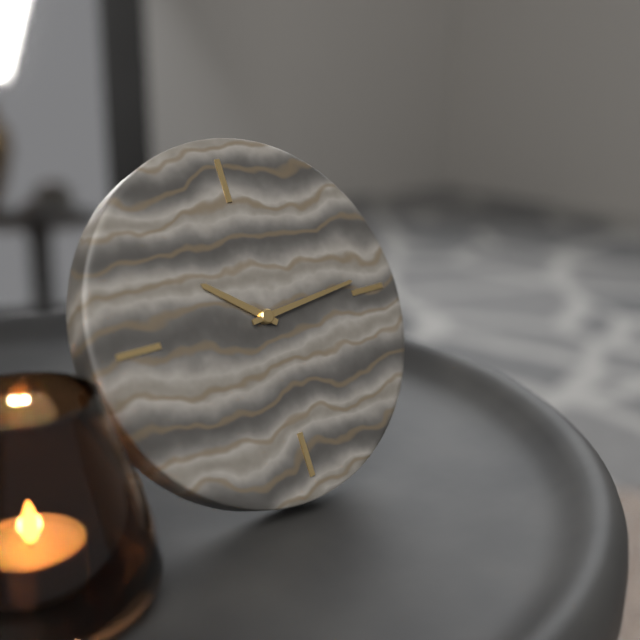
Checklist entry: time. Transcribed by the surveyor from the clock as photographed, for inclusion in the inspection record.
10:14
